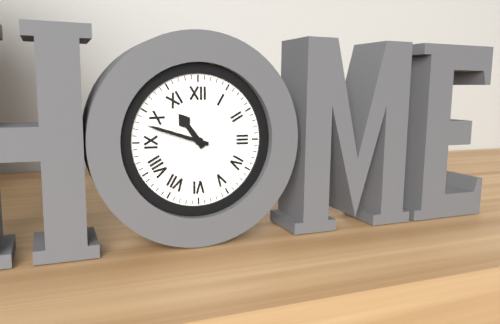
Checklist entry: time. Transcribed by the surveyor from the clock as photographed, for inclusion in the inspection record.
10:48
